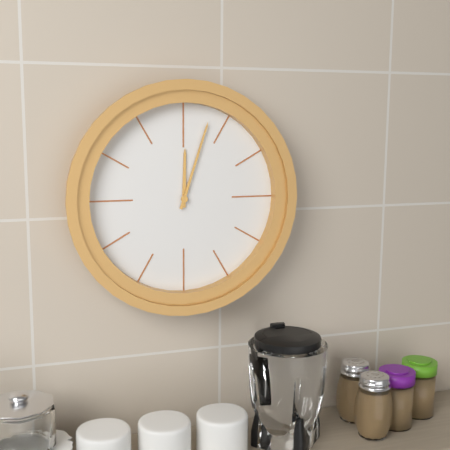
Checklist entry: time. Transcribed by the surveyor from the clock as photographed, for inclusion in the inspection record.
12:03
